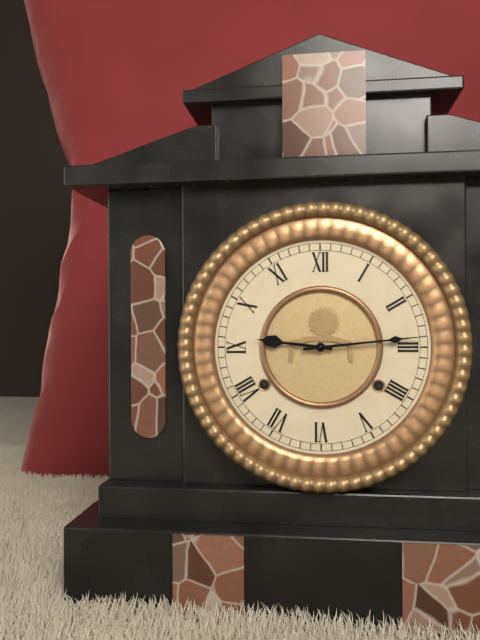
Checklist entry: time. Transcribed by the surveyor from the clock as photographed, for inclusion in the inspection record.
9:14
